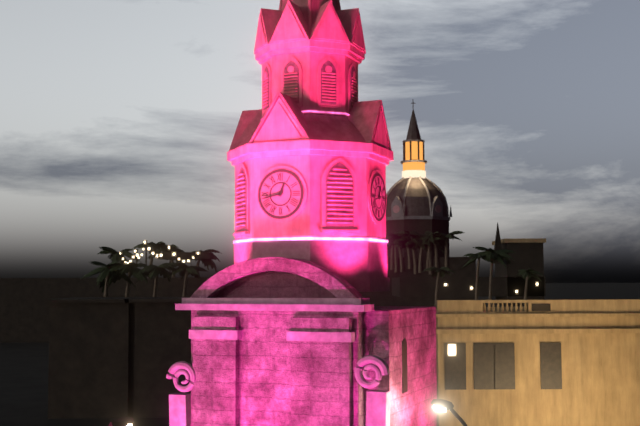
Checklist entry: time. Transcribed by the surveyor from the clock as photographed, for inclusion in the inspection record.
12:43
